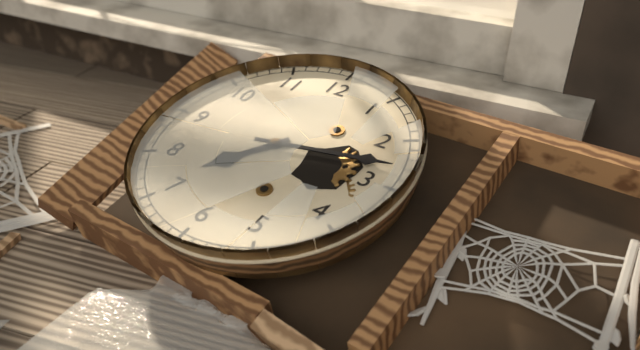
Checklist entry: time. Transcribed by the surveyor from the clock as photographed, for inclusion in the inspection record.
7:13
